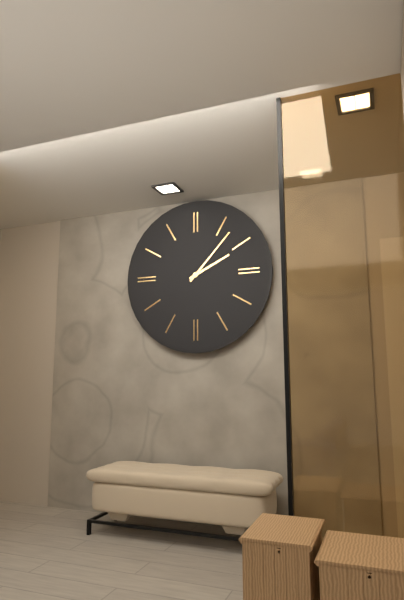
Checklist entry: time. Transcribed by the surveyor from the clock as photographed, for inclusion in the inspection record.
2:07
